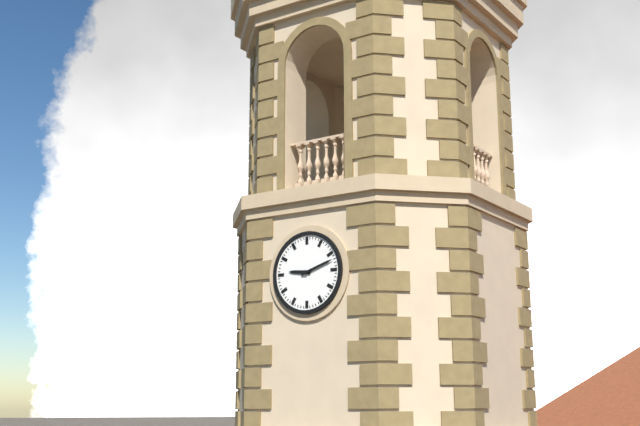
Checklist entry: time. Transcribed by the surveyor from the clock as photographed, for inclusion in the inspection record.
9:12
